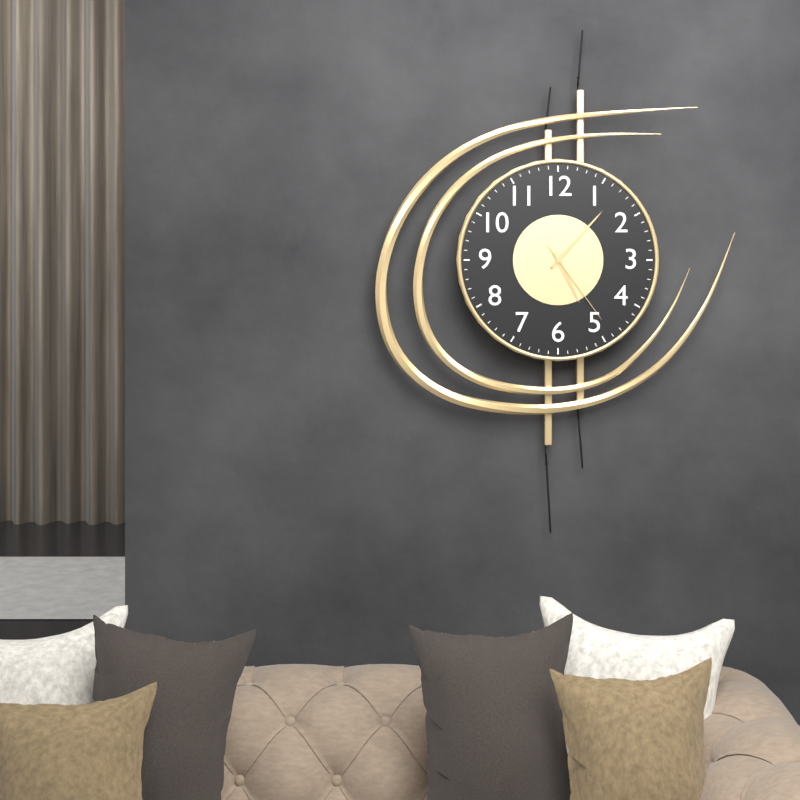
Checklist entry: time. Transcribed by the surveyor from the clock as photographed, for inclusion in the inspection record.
5:07:24
